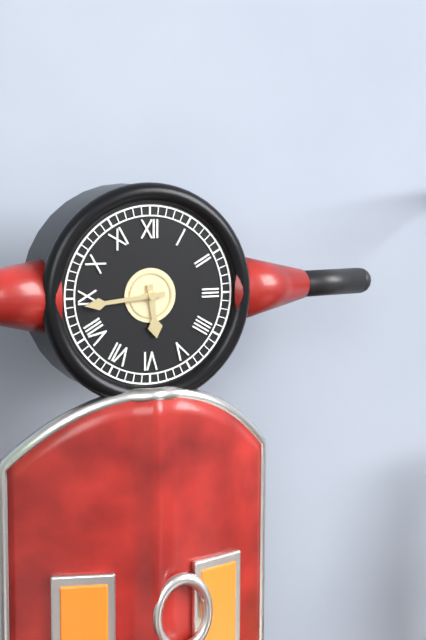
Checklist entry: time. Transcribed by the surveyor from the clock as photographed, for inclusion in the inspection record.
5:44
